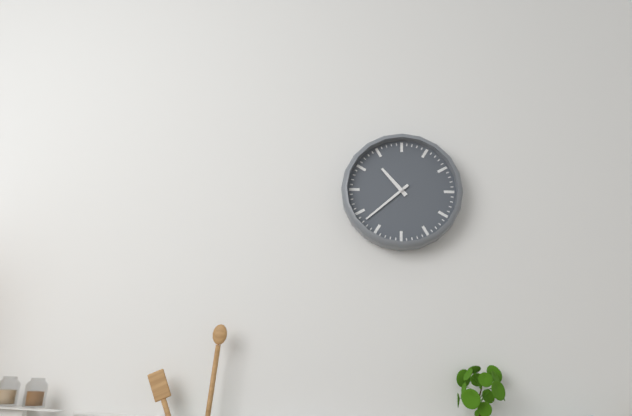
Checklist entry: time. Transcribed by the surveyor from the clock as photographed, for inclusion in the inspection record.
10:38
